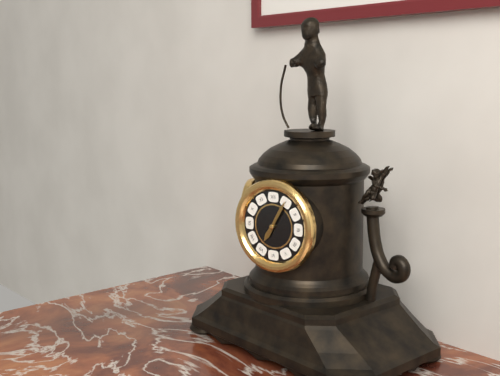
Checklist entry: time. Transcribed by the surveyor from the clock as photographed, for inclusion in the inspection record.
7:05
